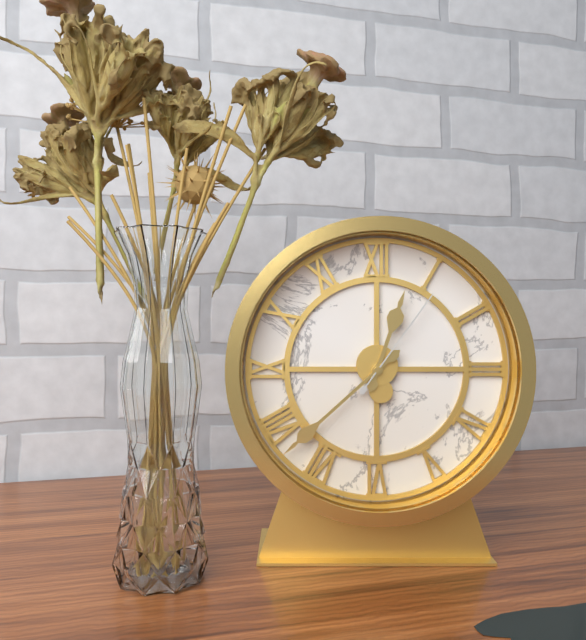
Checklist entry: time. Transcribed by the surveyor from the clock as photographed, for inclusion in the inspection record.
12:38:06
